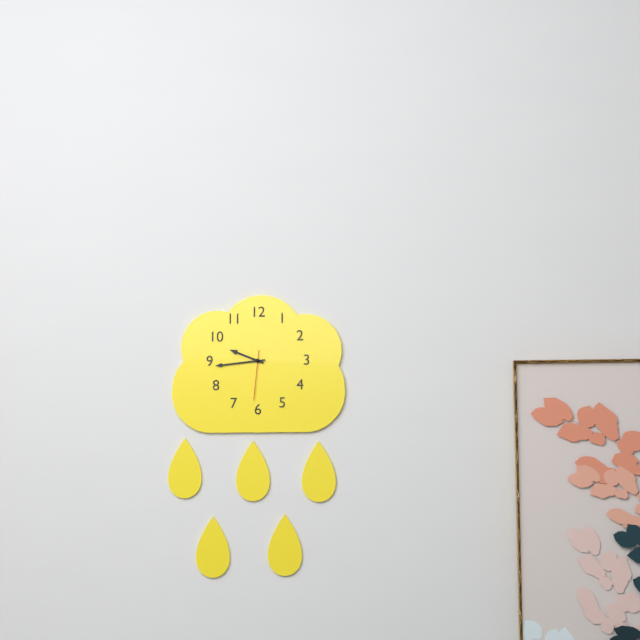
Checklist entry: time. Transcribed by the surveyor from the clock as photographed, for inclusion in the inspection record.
9:44:31
